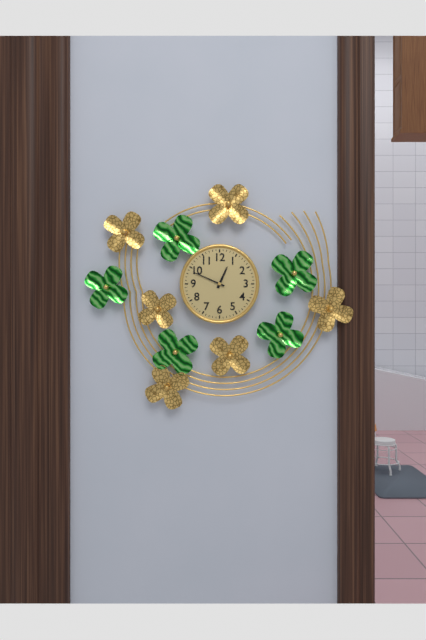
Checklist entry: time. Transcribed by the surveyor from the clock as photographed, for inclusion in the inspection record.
12:49
